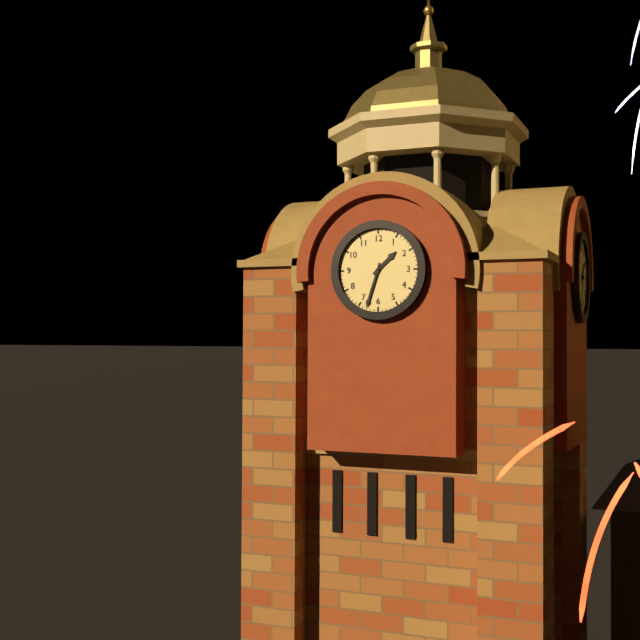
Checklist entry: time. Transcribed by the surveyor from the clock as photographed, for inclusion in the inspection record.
1:33
